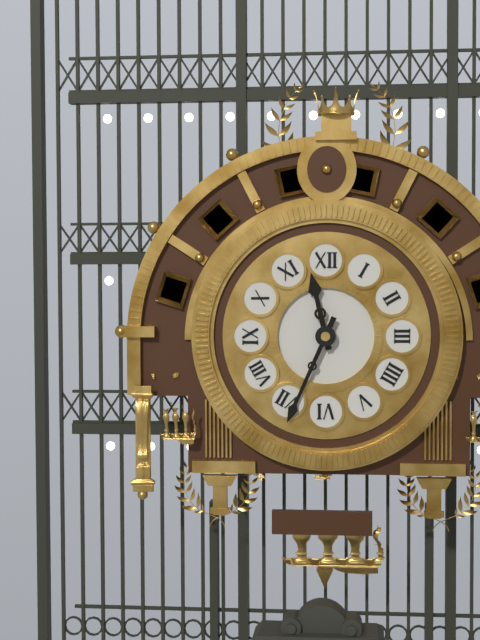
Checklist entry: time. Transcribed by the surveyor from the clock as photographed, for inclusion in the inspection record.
11:34
